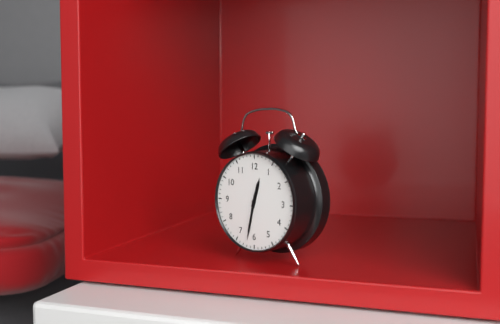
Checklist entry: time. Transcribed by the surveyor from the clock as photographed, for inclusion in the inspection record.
12:32
